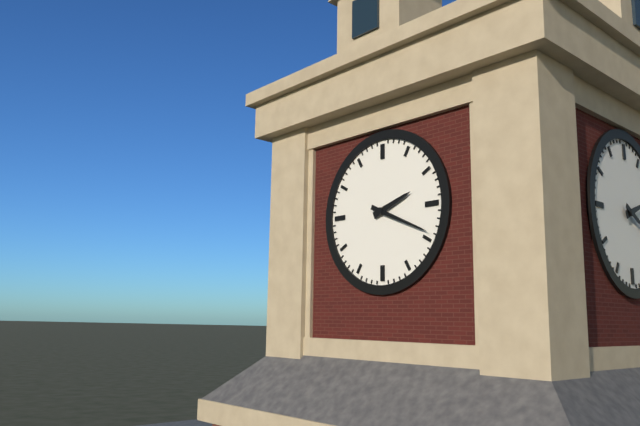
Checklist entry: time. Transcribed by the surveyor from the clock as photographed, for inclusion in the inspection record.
2:19
